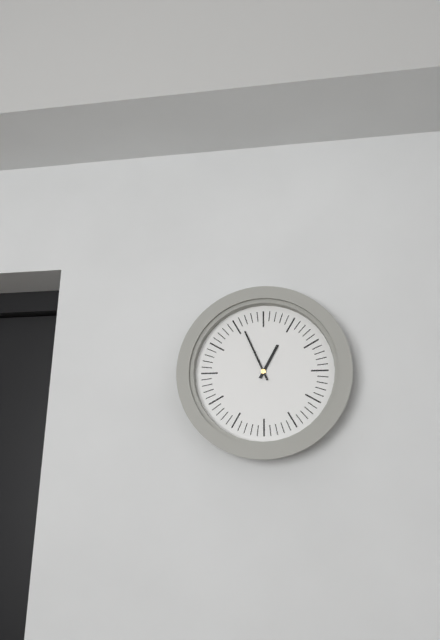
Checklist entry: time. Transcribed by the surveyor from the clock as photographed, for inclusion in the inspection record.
12:56
